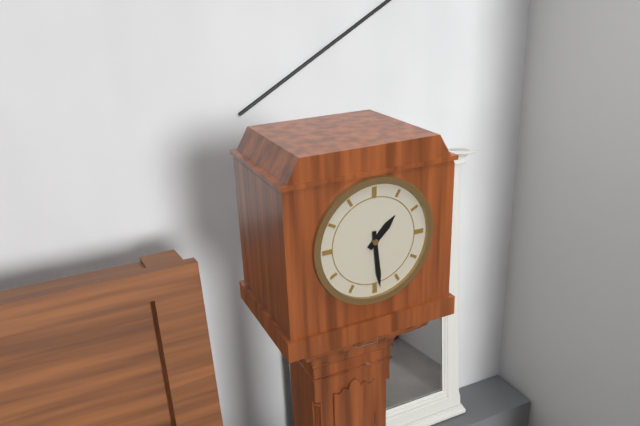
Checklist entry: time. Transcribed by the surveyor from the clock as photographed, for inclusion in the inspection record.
1:29
